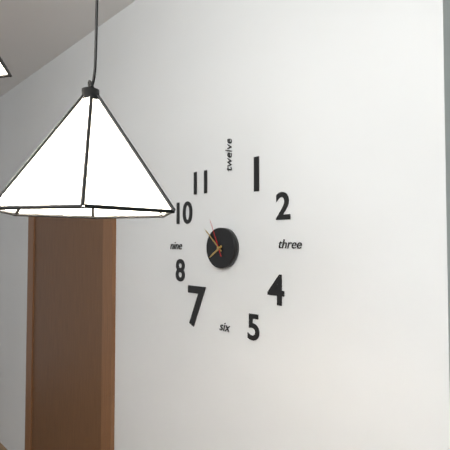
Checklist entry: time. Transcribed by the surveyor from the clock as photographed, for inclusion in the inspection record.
7:52
